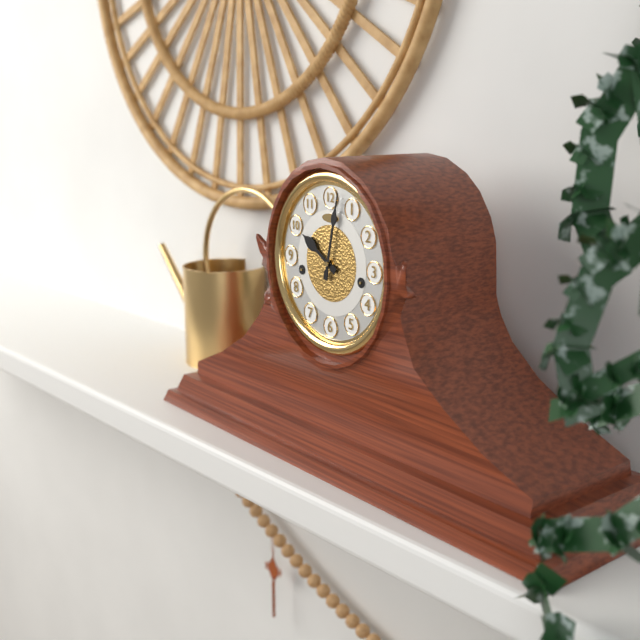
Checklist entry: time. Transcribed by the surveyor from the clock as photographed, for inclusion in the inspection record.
10:02
